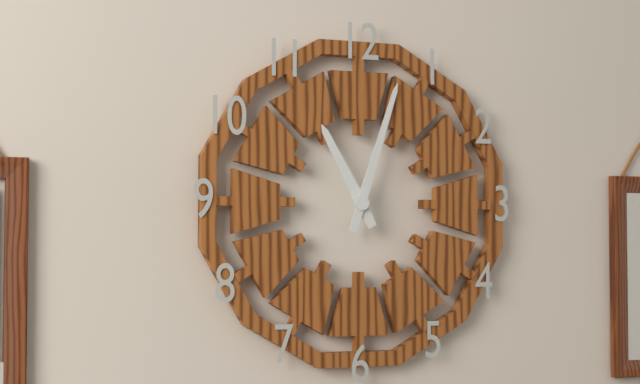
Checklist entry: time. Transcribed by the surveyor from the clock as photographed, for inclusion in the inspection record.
11:03
